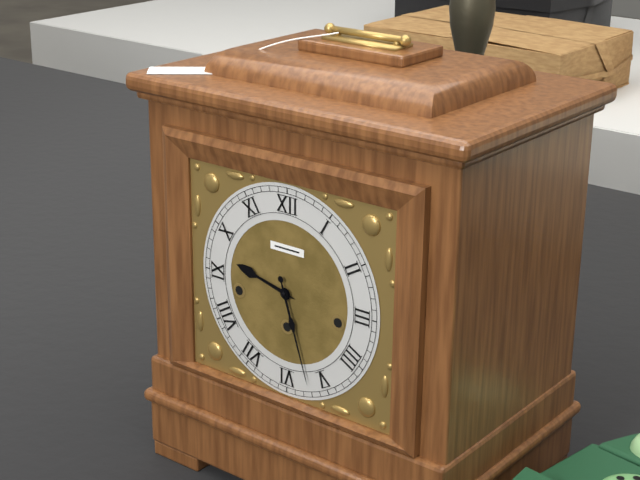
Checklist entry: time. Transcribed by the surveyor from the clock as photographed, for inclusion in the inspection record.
9:27
